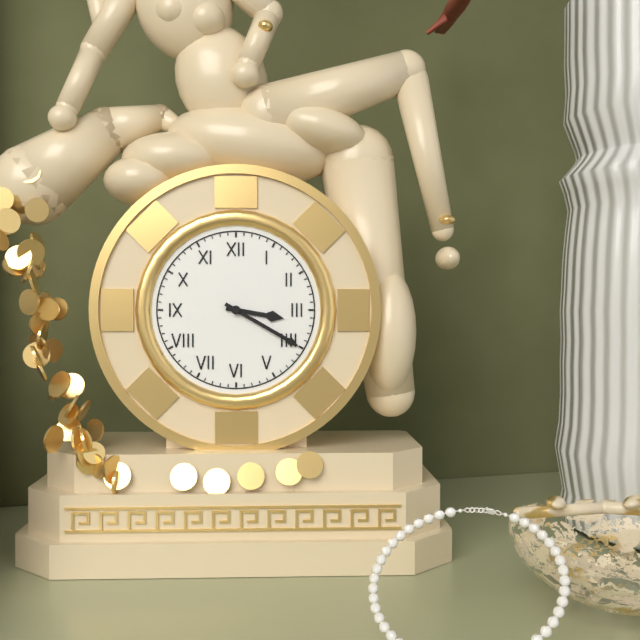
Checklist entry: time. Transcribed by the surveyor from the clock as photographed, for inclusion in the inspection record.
3:20
